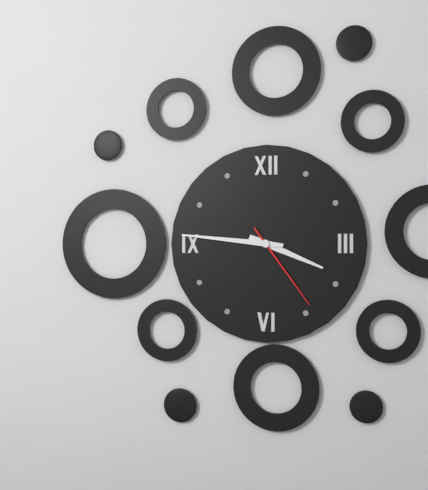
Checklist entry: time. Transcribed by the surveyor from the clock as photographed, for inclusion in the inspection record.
3:46:24
